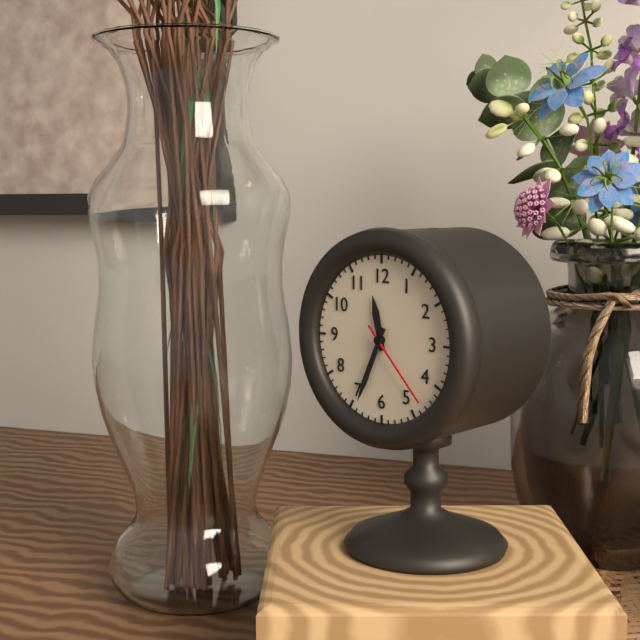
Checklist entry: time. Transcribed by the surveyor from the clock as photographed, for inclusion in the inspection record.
11:34:23
